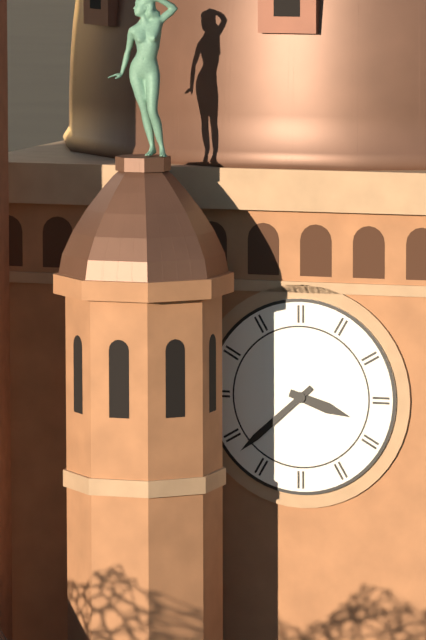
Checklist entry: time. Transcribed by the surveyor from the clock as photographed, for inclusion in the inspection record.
3:38
